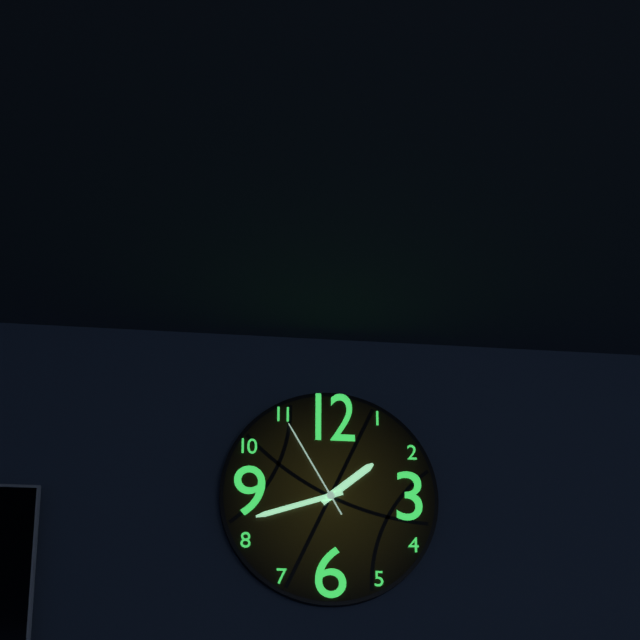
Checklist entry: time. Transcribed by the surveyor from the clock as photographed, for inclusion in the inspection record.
1:42:55
